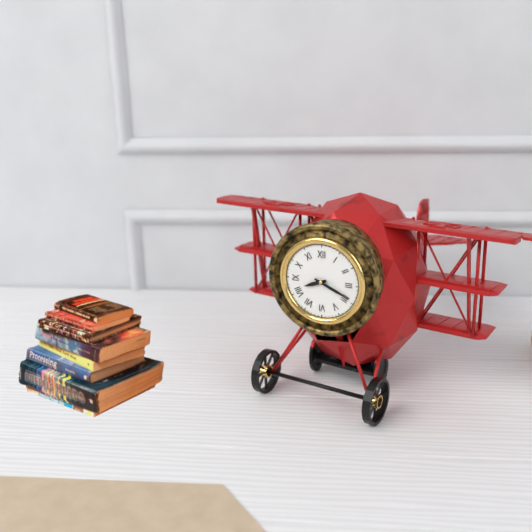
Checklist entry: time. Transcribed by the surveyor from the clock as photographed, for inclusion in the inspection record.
8:19
